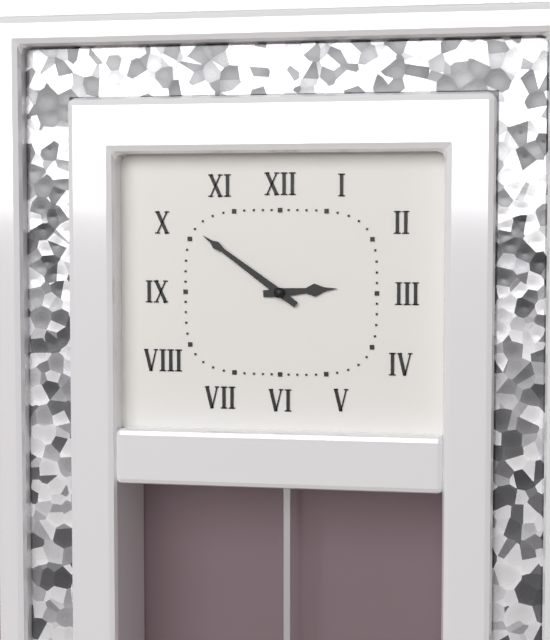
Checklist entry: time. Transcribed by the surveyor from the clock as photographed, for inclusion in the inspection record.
2:51
